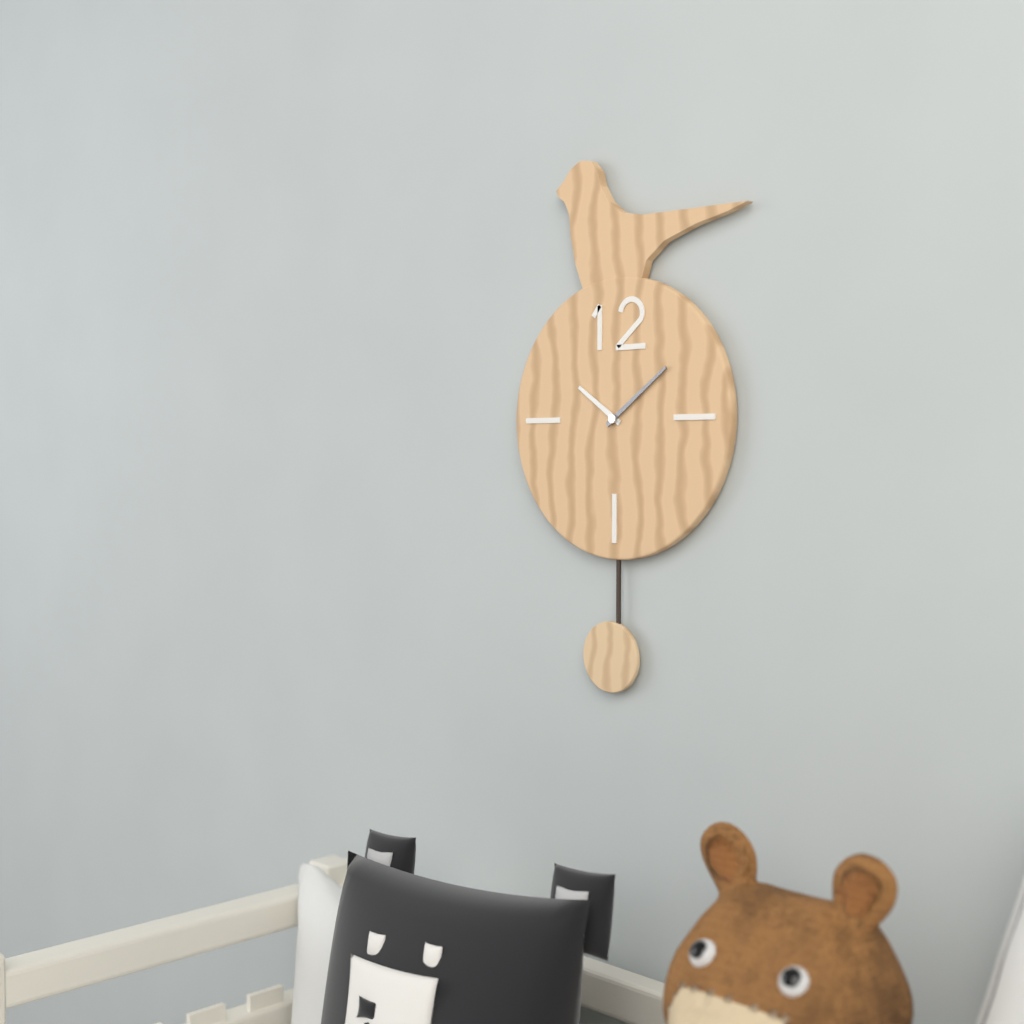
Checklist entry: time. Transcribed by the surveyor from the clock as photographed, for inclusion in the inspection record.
10:09
